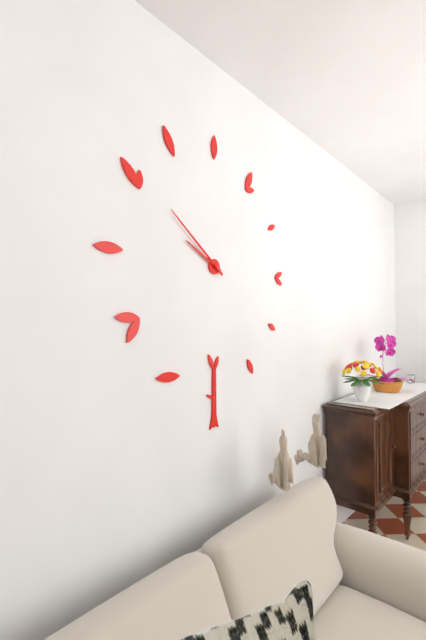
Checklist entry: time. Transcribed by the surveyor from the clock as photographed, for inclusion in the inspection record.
9:51
